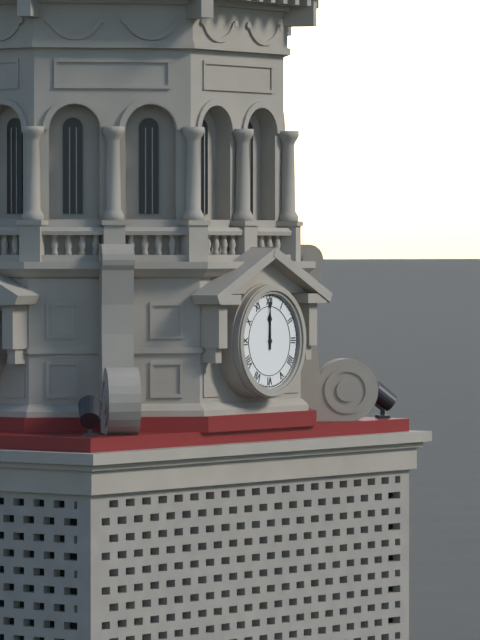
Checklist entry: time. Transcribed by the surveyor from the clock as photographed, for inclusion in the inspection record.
12:00
